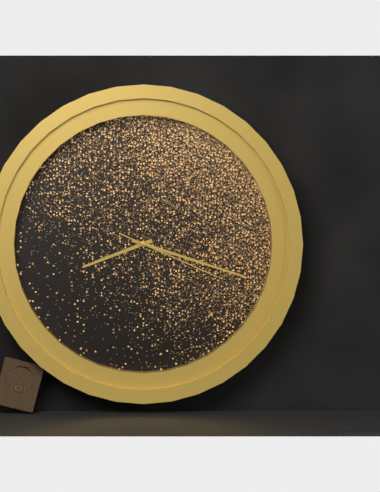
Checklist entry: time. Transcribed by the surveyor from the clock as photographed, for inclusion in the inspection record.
8:18:19
